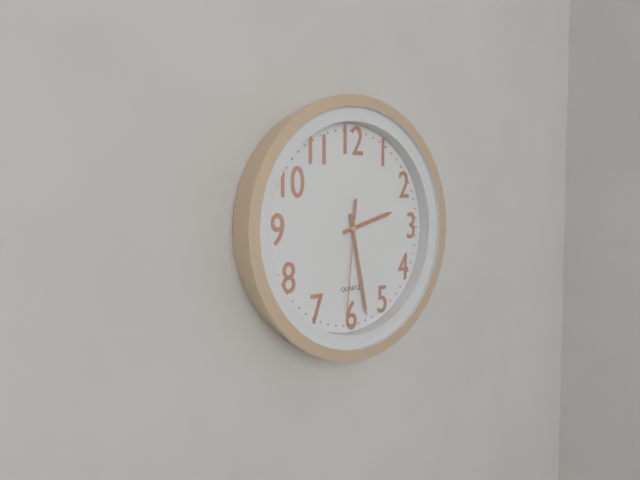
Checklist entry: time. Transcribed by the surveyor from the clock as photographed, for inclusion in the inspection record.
2:28:31
